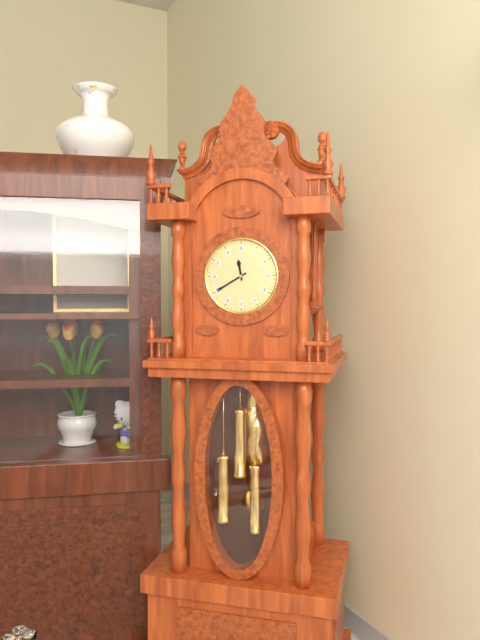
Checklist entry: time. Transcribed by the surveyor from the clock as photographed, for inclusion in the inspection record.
11:40
